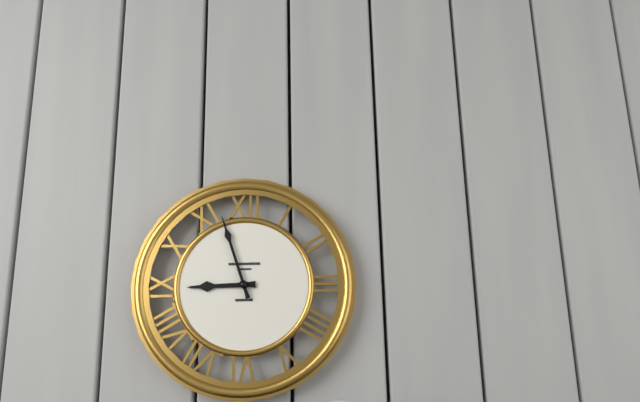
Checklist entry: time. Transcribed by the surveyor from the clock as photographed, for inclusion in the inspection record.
8:57
